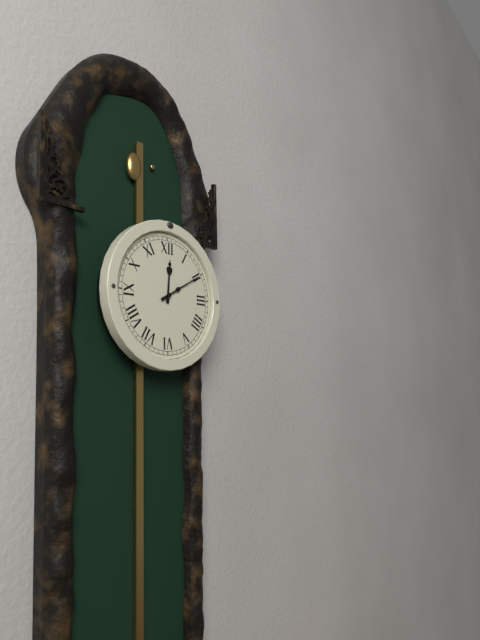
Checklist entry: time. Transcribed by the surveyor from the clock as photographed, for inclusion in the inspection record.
12:10
